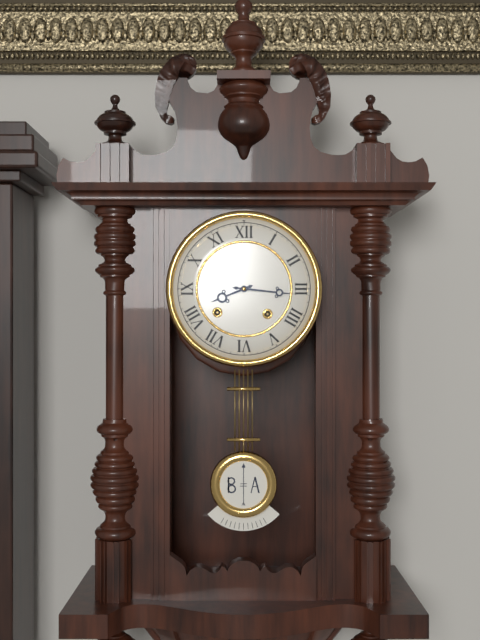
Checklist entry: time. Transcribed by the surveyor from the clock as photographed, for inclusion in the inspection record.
8:16
